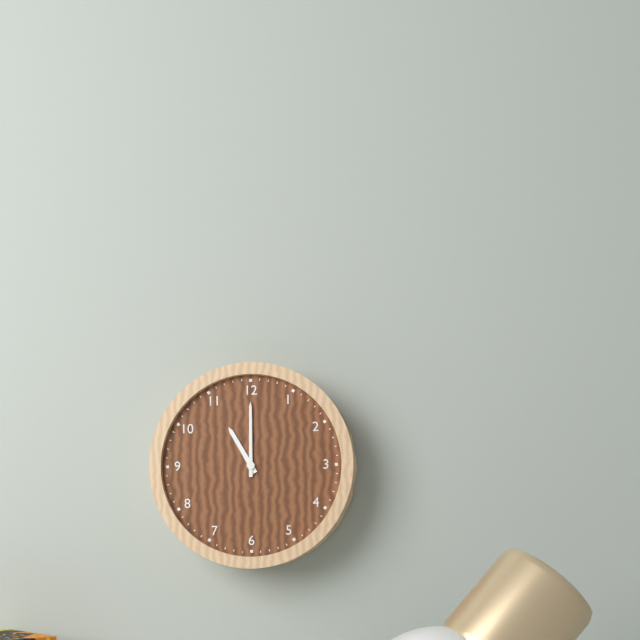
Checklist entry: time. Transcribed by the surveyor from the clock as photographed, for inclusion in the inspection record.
11:00
